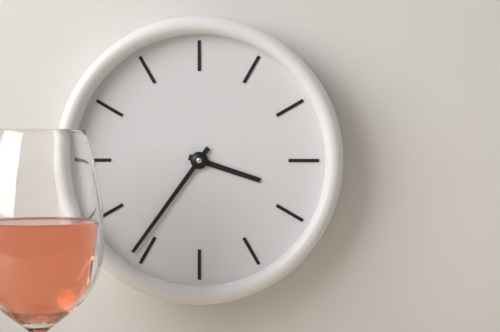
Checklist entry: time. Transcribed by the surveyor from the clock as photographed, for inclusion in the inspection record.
3:36
